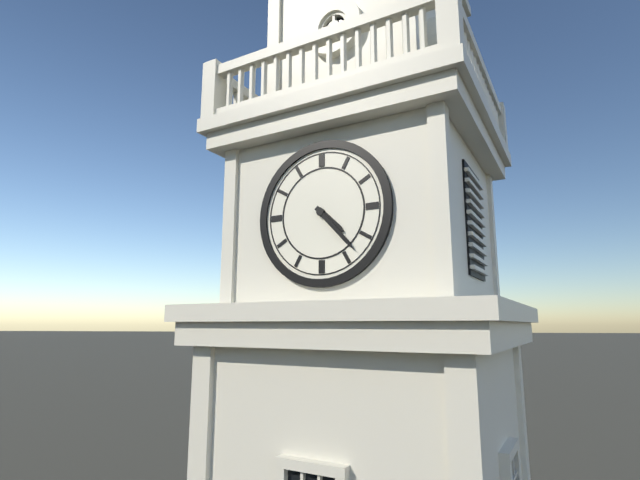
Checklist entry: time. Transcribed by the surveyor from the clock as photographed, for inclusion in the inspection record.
4:23
